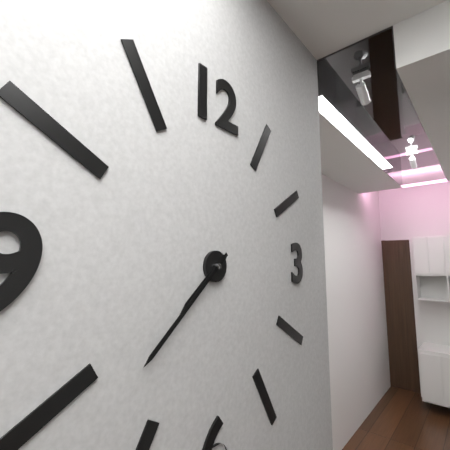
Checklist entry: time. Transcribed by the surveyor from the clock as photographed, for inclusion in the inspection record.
7:38
